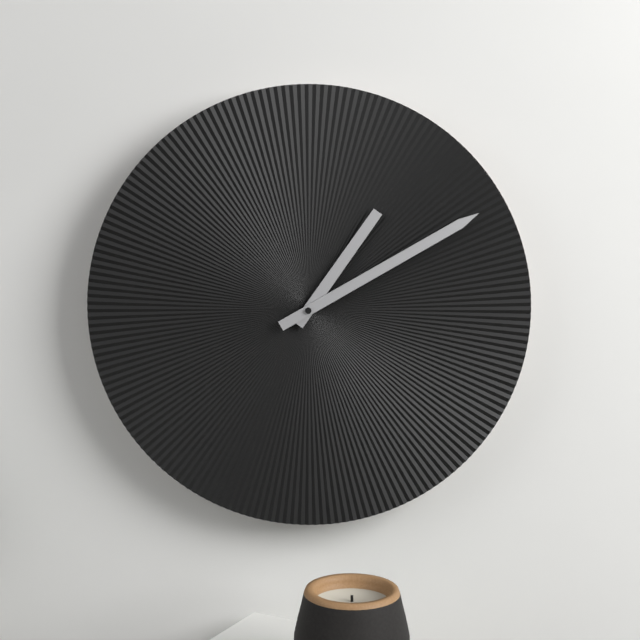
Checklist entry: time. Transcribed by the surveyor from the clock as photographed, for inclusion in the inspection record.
1:10
